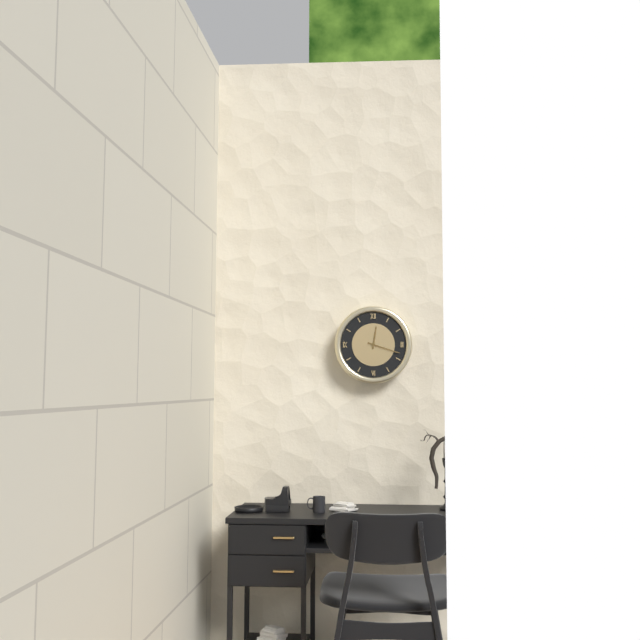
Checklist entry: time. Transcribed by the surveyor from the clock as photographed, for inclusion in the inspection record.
12:18
